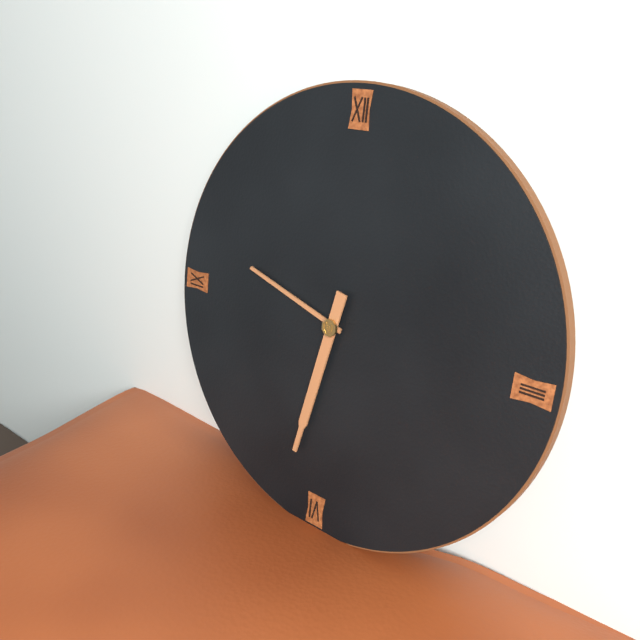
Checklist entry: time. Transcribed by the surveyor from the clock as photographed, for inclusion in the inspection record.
9:32
